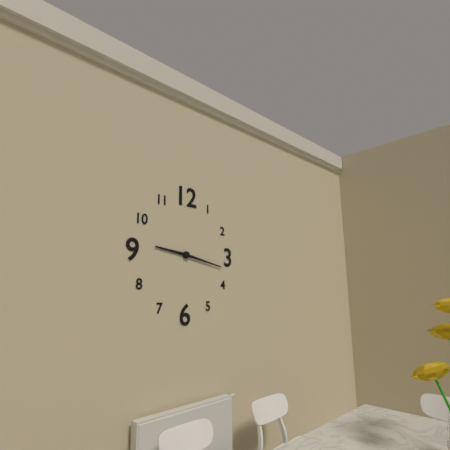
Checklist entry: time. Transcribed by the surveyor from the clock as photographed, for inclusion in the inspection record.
9:17
